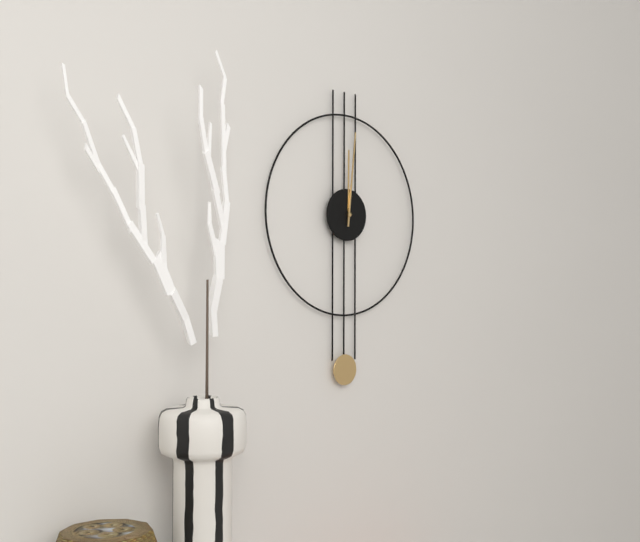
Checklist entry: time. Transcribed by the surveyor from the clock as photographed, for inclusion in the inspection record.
12:01
